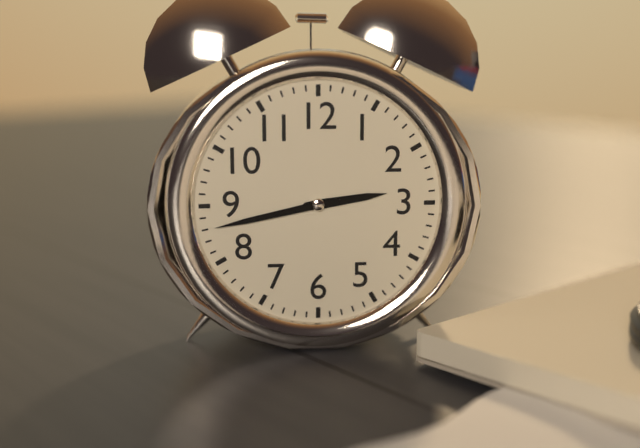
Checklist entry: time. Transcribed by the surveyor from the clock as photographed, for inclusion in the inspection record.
2:43
